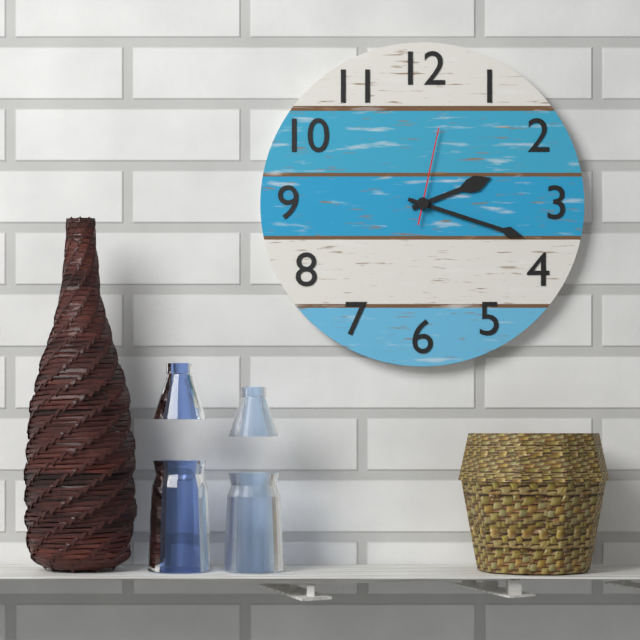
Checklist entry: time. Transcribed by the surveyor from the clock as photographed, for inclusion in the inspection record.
2:18:02
